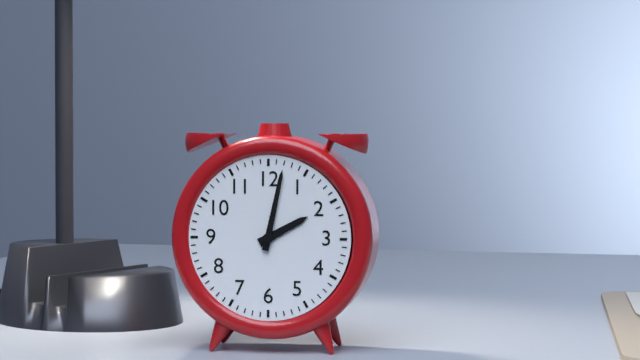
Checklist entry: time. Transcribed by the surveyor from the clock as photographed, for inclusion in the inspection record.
2:02
